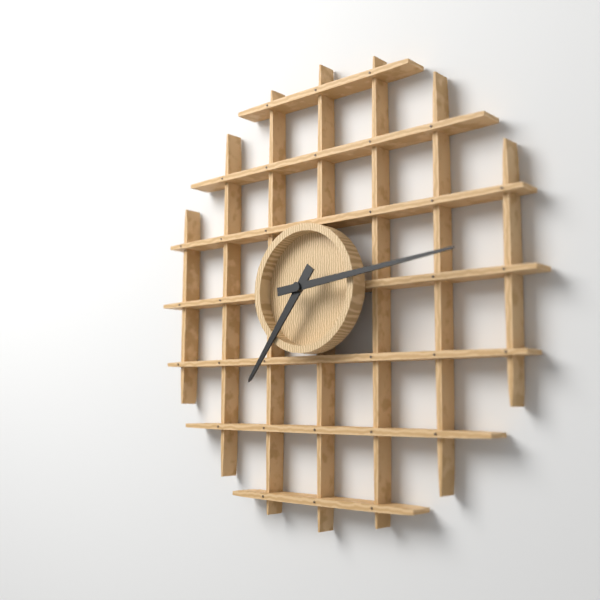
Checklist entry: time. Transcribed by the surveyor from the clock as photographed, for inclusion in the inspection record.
7:14
